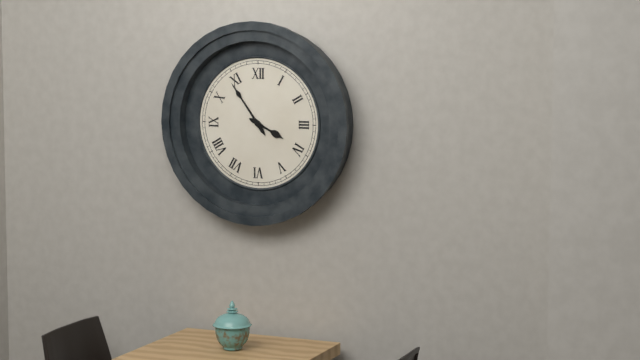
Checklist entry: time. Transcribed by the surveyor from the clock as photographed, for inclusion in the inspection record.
3:54
